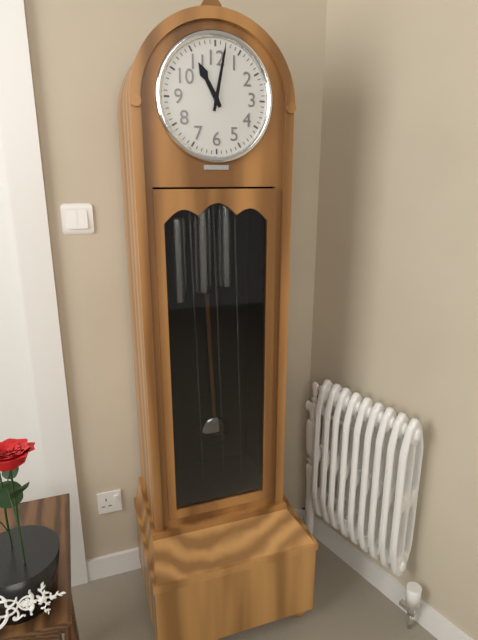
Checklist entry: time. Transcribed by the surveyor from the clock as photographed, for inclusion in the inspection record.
11:02
